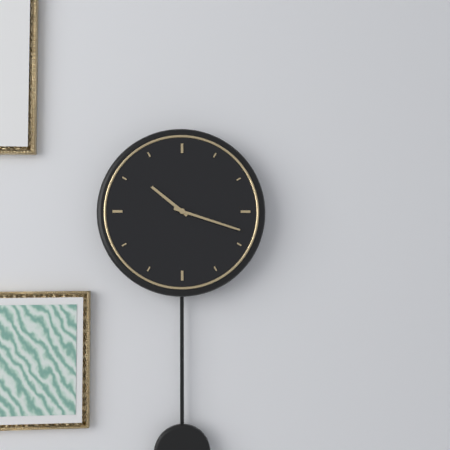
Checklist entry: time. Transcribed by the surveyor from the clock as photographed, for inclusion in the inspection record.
10:18
